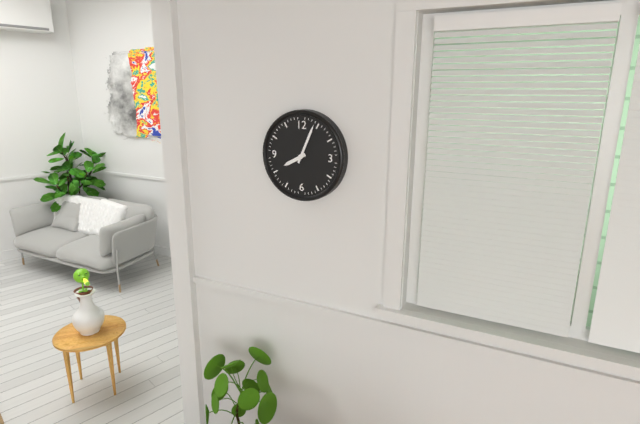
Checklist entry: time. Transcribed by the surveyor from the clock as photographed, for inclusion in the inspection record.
8:04
